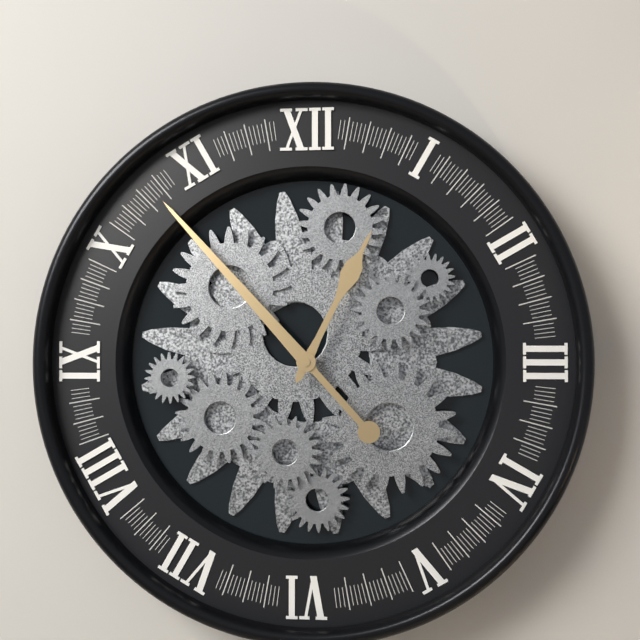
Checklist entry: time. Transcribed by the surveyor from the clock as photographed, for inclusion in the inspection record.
12:53
